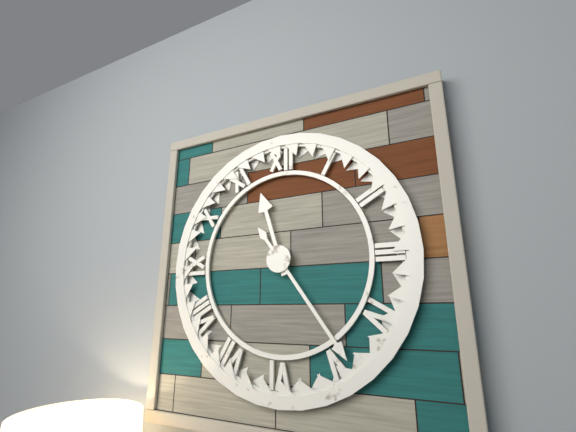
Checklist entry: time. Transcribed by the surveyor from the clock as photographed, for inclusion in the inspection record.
11:24
